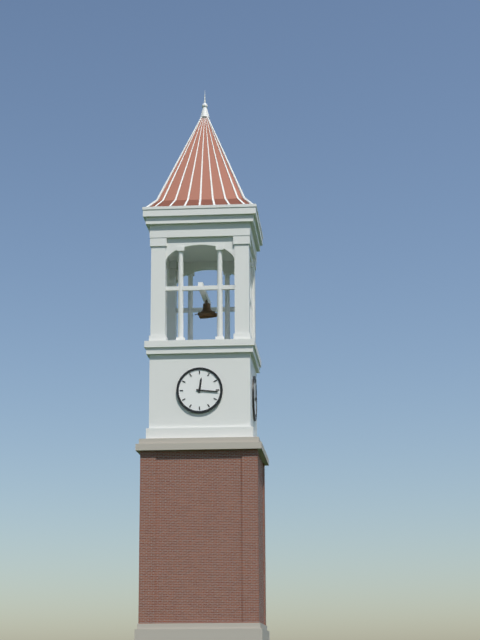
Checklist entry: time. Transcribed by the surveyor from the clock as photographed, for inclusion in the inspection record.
12:16
